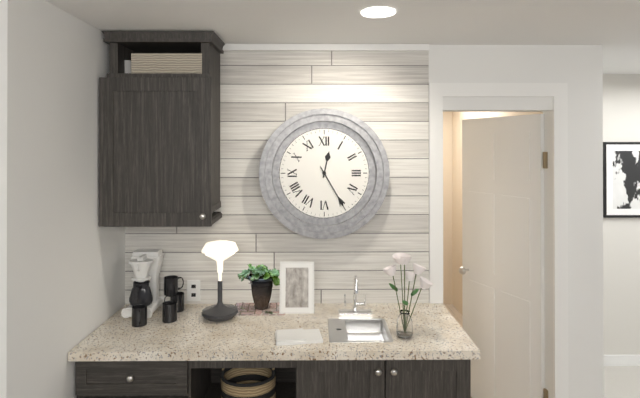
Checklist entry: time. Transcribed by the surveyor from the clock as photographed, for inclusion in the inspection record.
12:25
